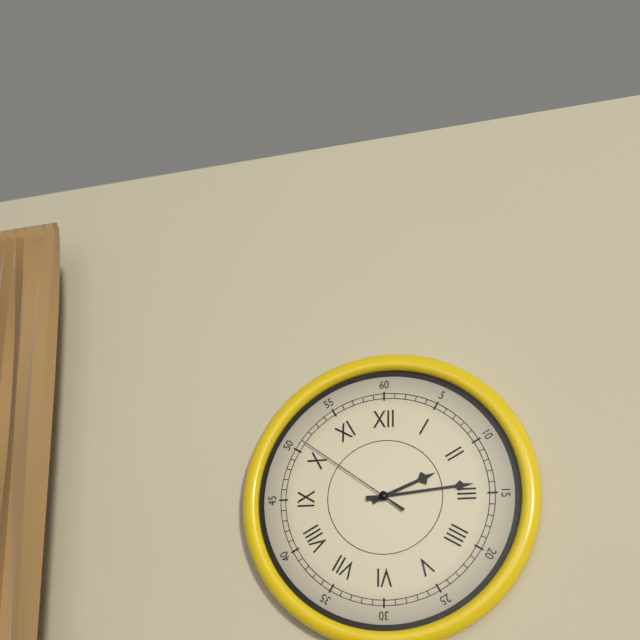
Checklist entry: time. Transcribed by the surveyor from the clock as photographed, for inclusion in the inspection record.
2:14:51
